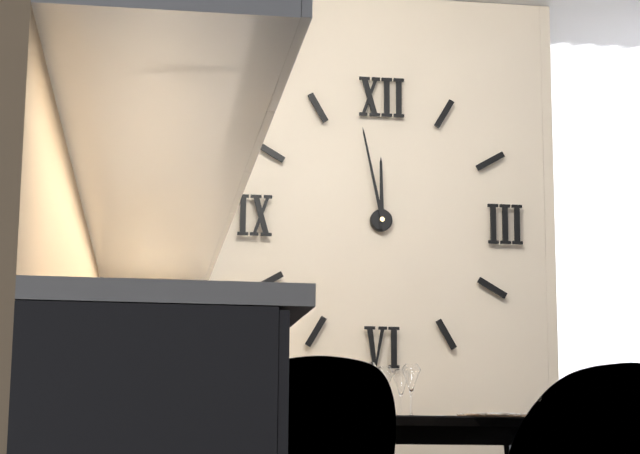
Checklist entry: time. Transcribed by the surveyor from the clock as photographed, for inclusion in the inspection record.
11:58
